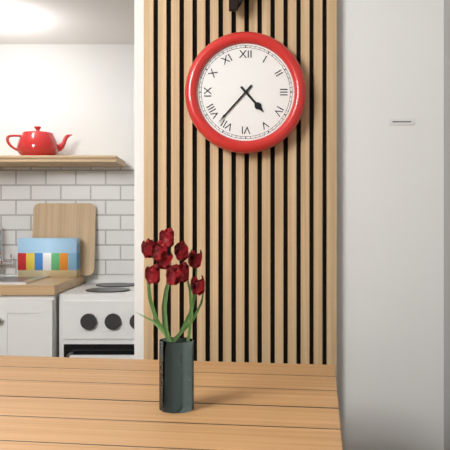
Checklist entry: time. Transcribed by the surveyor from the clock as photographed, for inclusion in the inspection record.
4:37
